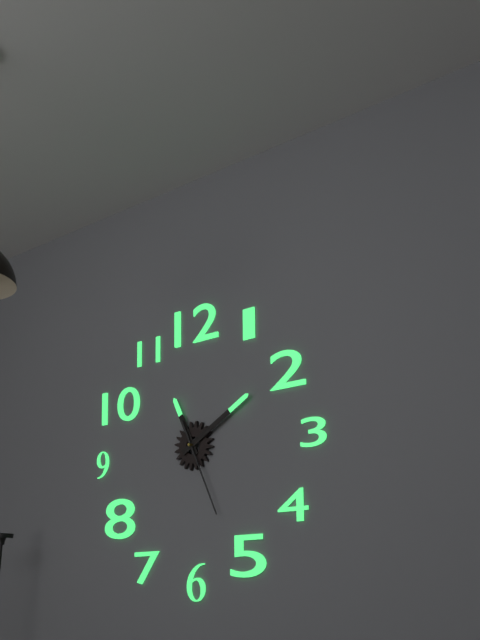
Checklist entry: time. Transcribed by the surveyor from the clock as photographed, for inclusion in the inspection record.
11:10:26
